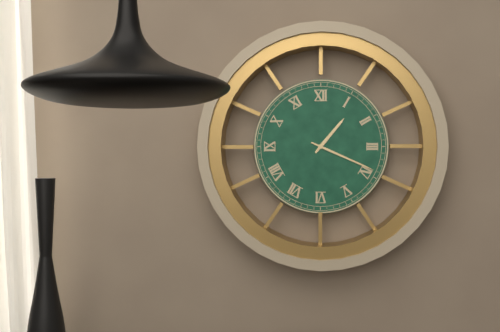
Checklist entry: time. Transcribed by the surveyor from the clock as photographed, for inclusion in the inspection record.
1:19
